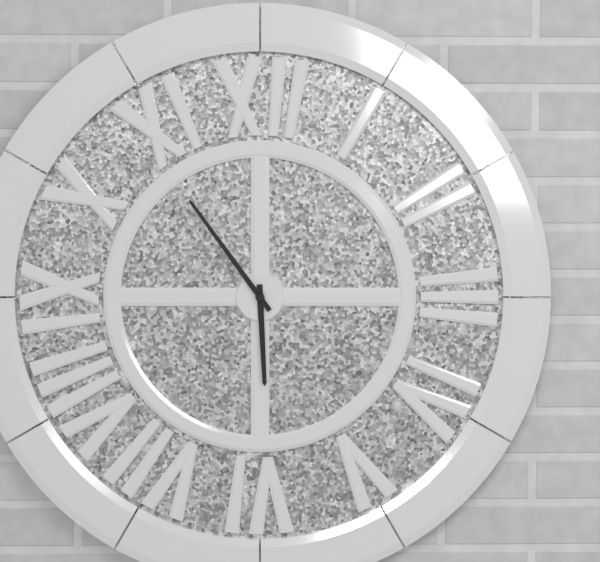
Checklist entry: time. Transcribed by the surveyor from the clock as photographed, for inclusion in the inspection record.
5:54
